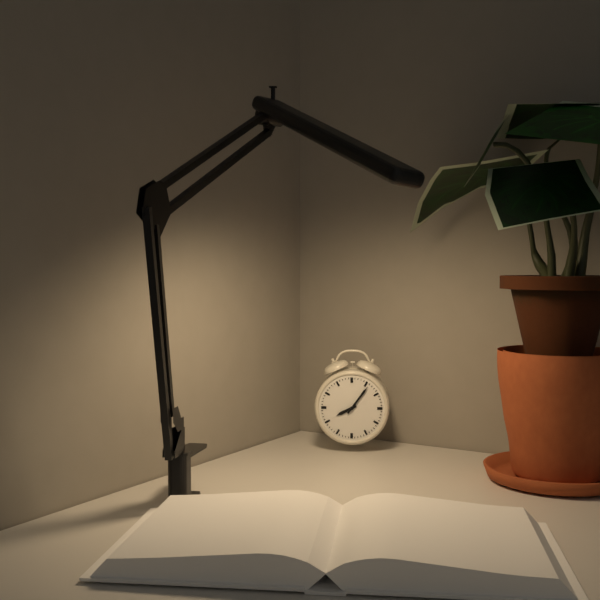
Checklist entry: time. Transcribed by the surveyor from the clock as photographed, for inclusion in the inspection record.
8:06
